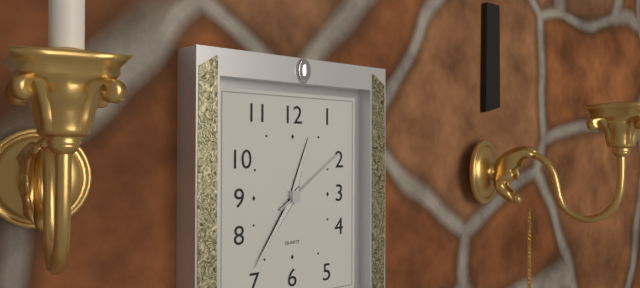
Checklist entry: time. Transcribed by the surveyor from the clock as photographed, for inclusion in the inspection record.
12:36:09
